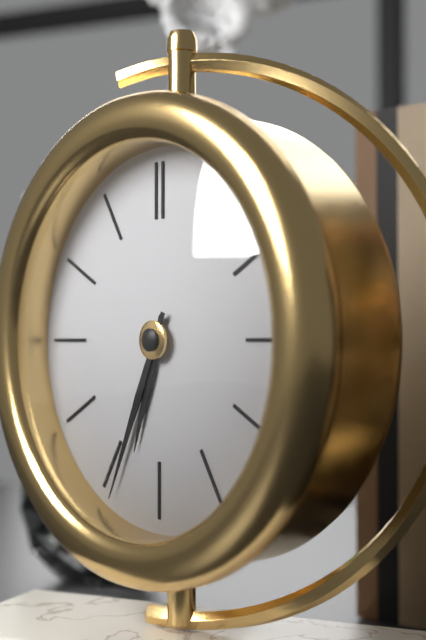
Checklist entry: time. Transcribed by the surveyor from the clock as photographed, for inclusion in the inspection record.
6:34
